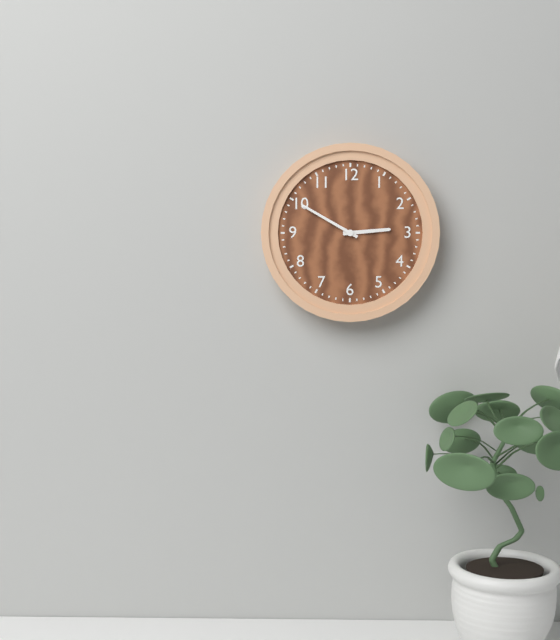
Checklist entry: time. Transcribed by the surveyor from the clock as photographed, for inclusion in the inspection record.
2:50
